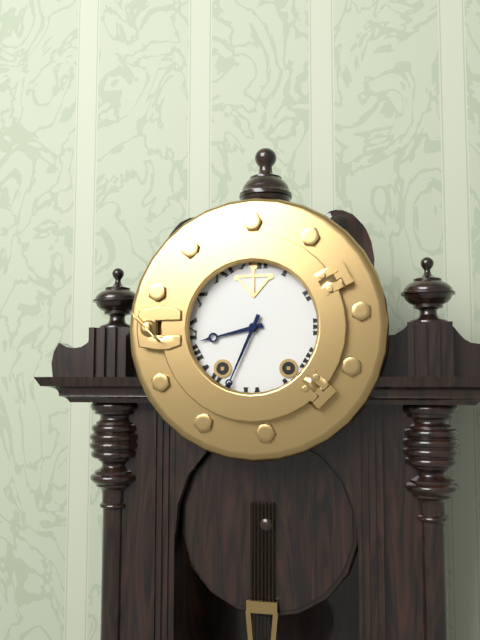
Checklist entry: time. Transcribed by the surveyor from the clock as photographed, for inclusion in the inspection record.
8:34
